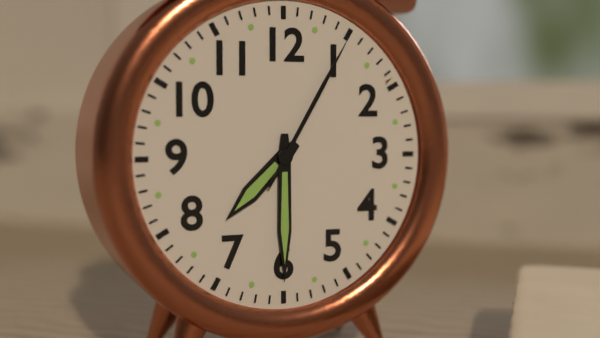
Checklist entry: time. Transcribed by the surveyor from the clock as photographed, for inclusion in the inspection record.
7:30:05
